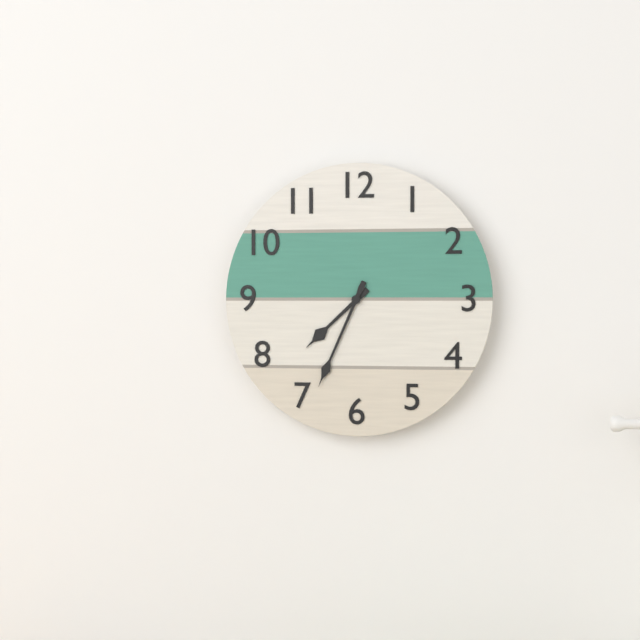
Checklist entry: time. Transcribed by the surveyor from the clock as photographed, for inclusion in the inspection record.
7:34
